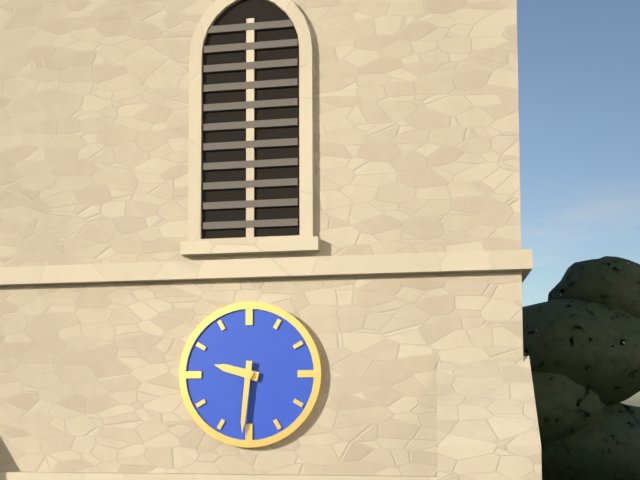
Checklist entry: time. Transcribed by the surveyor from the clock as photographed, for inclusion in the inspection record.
9:31
